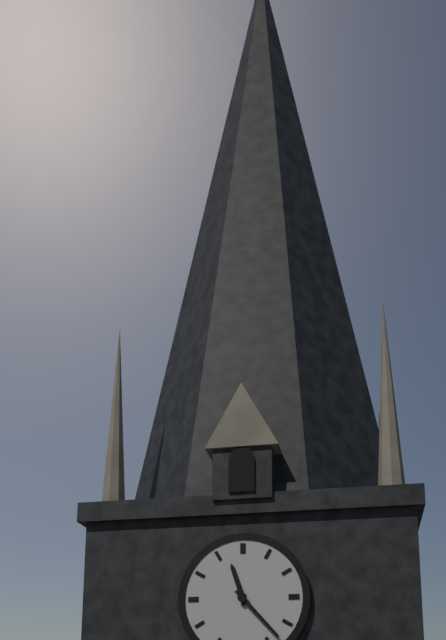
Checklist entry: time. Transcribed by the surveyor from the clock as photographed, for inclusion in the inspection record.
11:23
